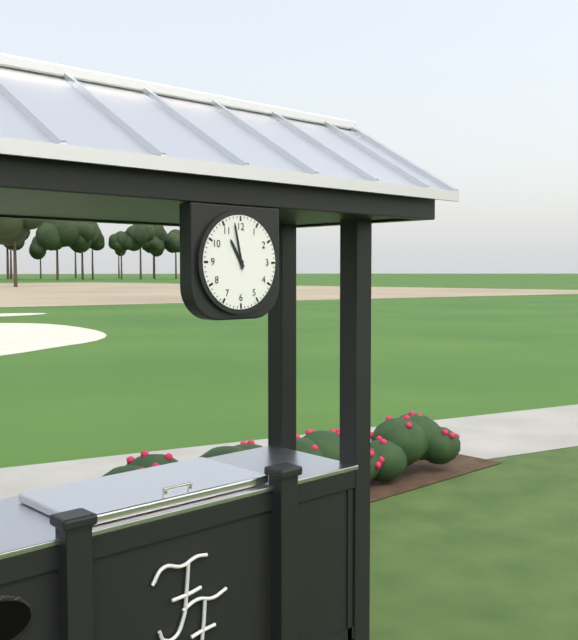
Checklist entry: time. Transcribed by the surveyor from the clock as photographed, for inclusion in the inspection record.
10:58
